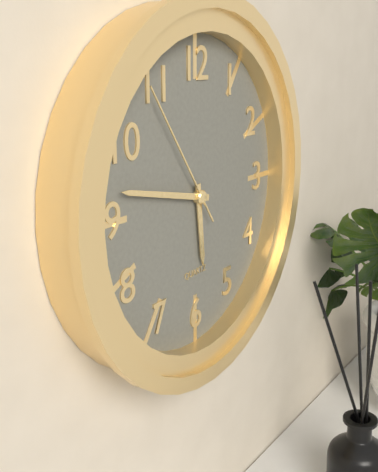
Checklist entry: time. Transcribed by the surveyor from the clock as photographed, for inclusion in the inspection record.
5:47:54
